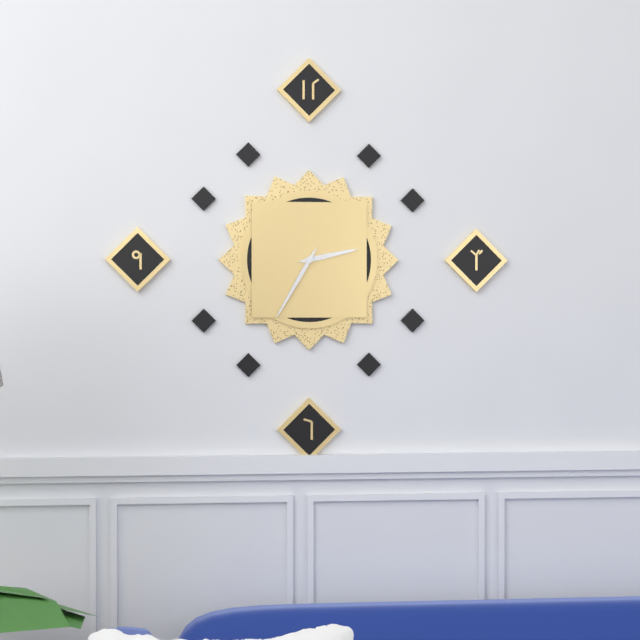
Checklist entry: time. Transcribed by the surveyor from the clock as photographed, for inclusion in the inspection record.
2:35
